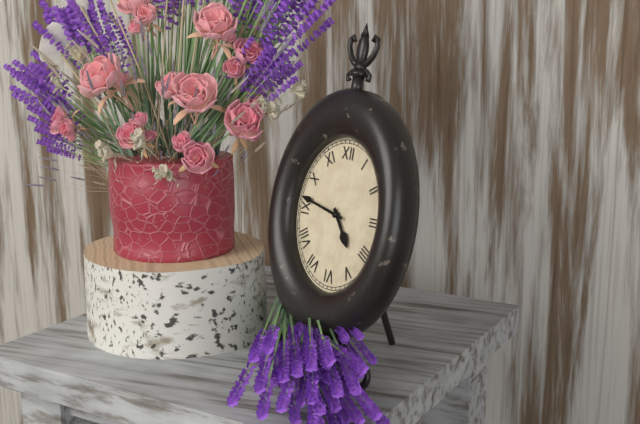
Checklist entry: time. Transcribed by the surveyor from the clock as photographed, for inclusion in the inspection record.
4:47
